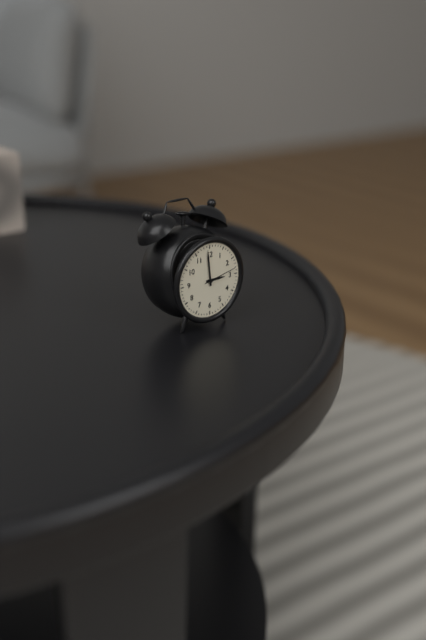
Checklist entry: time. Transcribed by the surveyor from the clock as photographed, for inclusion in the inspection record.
2:59
